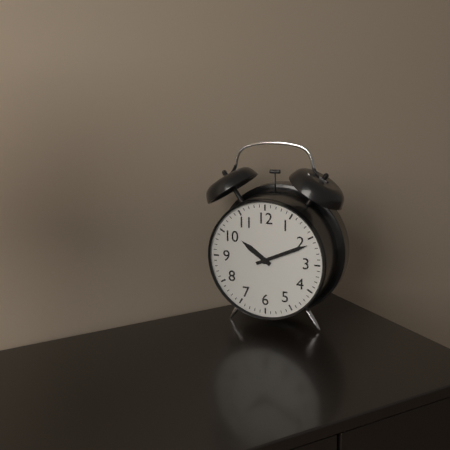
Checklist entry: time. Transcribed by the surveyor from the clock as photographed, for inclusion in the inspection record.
10:11
